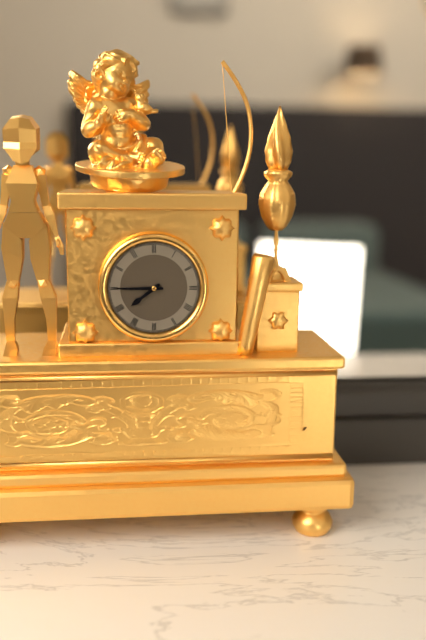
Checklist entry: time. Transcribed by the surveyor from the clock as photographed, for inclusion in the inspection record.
7:45
